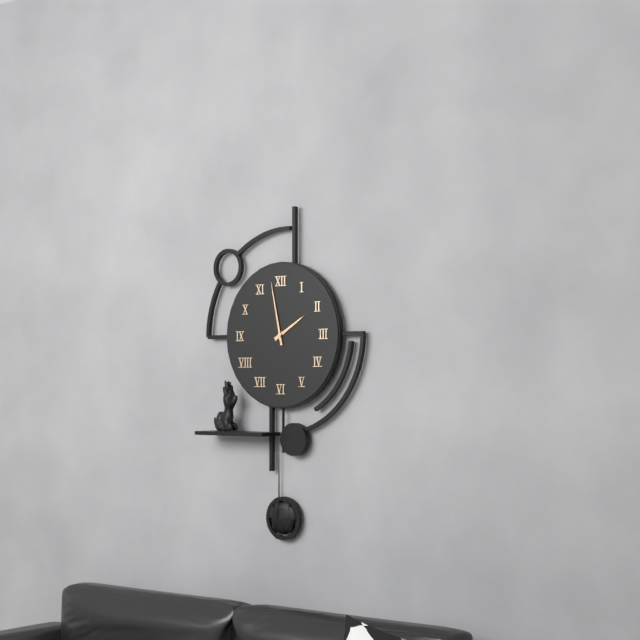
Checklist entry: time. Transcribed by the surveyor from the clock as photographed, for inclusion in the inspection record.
1:58
